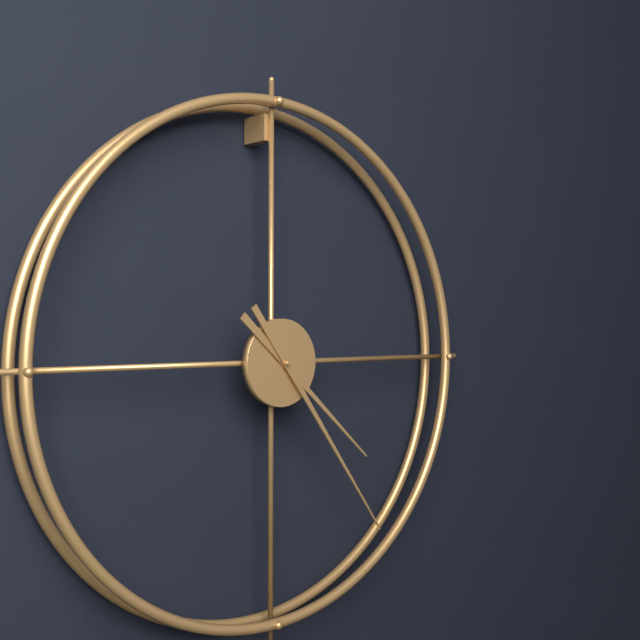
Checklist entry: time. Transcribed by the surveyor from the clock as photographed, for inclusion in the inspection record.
4:24
